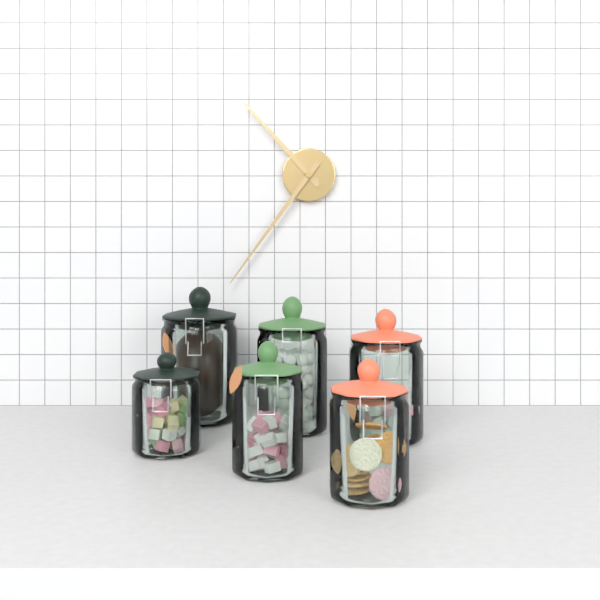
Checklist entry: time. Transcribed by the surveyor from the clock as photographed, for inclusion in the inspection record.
10:36
